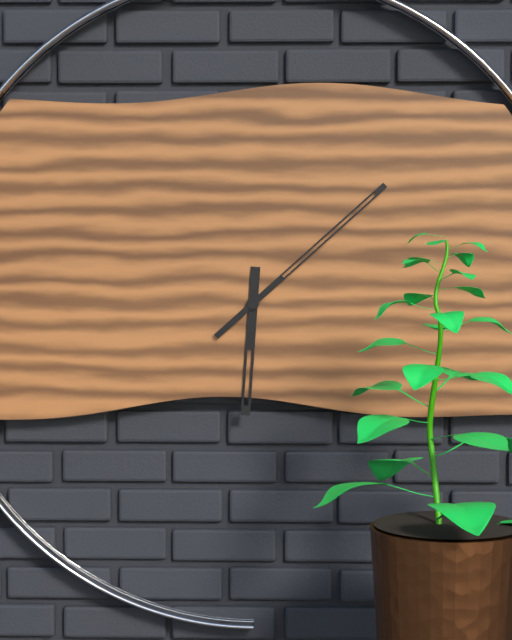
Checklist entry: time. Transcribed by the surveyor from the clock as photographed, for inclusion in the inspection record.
6:08
